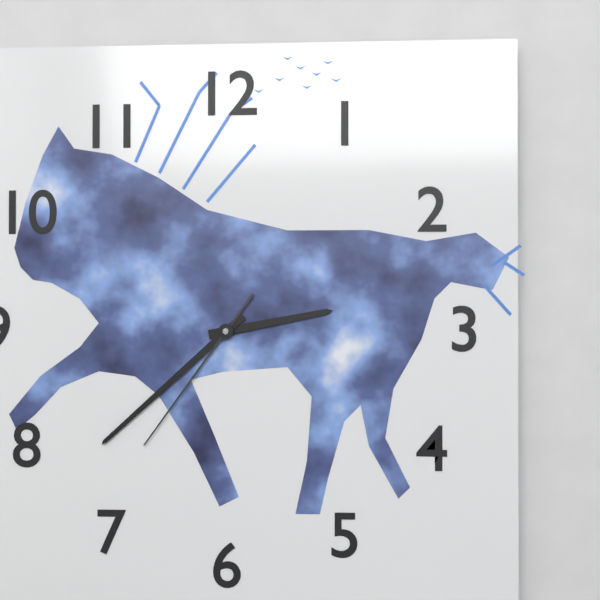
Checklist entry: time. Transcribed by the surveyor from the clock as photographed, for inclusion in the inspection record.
2:38:36
